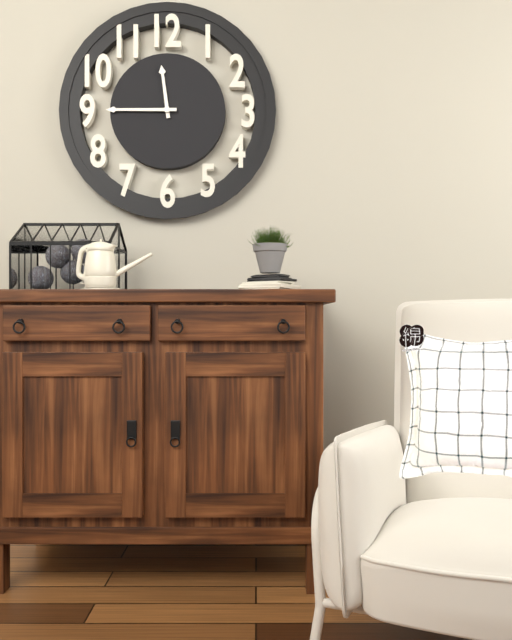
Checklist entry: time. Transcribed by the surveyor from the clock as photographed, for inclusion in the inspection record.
11:45
